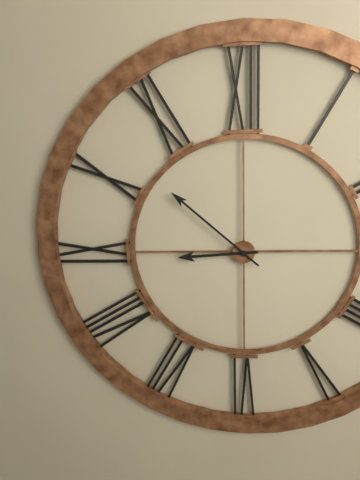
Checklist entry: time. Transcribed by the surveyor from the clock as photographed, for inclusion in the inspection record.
8:52
